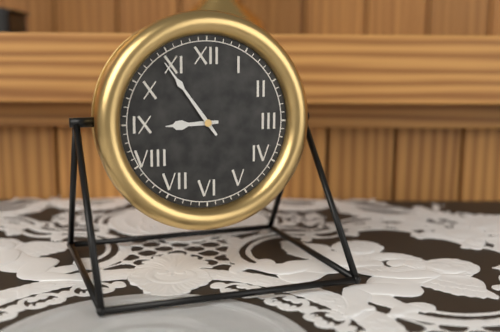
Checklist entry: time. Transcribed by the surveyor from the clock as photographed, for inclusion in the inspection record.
8:54
